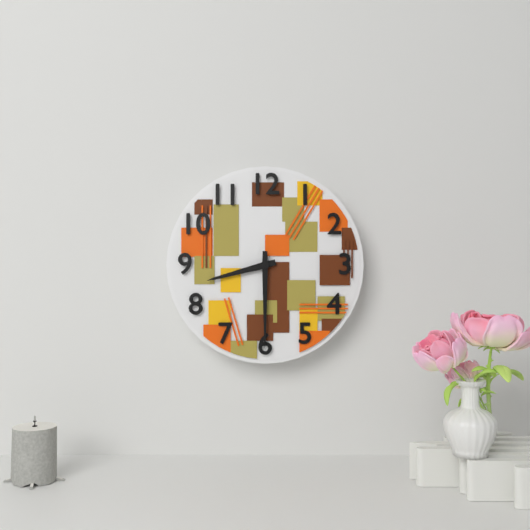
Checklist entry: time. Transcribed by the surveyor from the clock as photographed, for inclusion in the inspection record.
8:30
